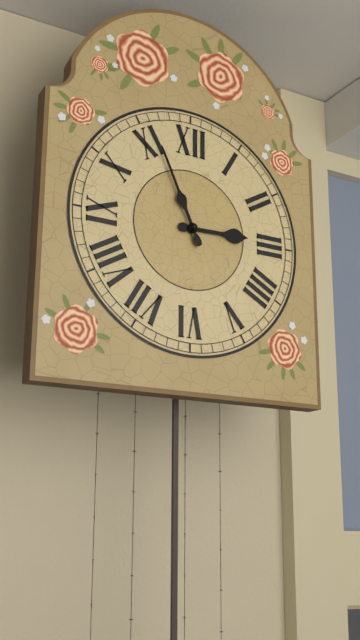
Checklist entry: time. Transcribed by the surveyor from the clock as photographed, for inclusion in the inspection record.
2:56
